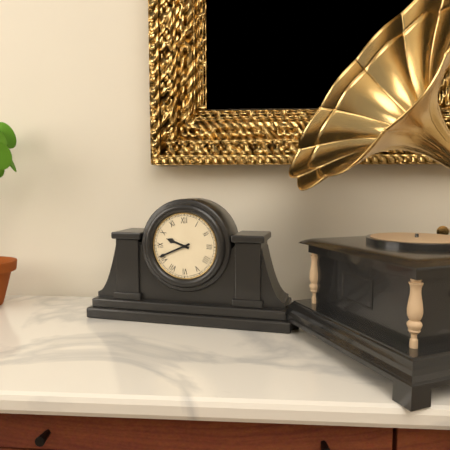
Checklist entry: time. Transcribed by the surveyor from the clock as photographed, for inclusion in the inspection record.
9:41
